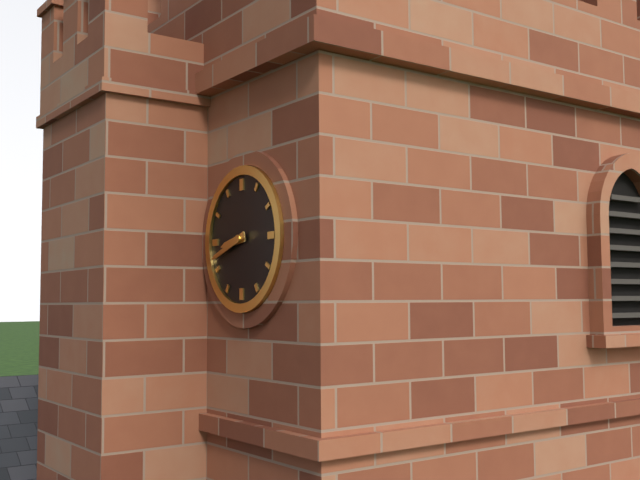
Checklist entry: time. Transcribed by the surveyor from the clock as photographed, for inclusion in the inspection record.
8:42
